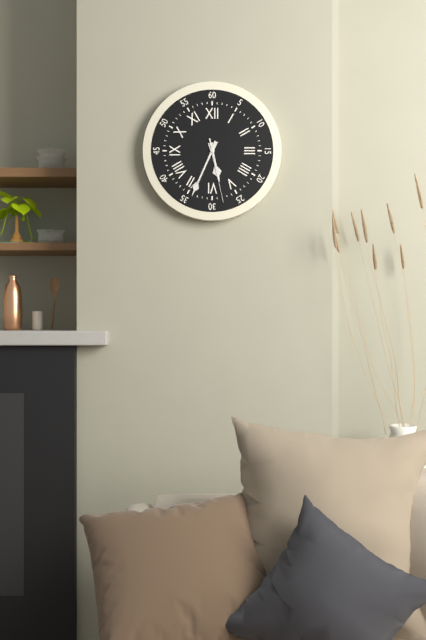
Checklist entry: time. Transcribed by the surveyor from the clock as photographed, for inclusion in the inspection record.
5:34:28
